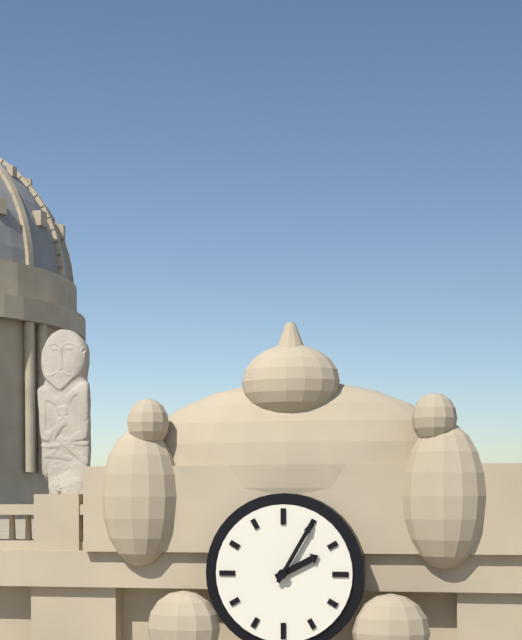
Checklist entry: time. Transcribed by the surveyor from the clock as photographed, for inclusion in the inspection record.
2:05
